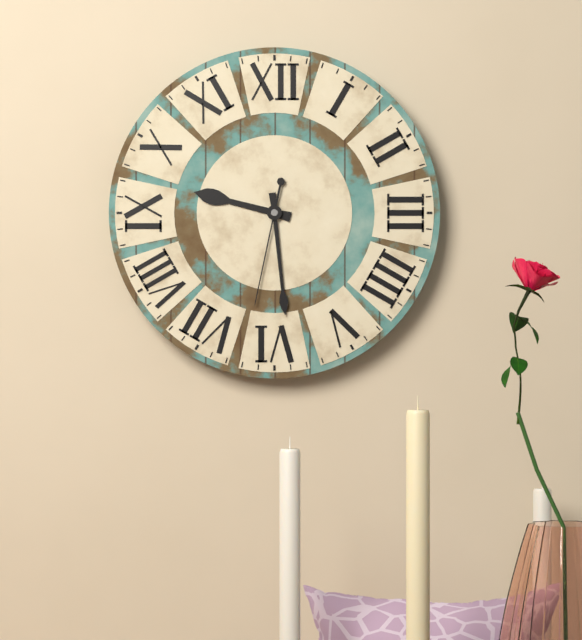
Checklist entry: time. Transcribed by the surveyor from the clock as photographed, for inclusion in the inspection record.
9:29:32
